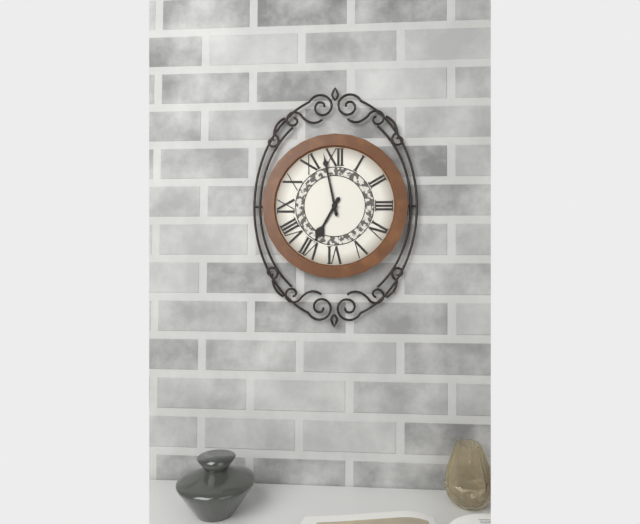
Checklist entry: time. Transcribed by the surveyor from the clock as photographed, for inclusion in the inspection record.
6:58
